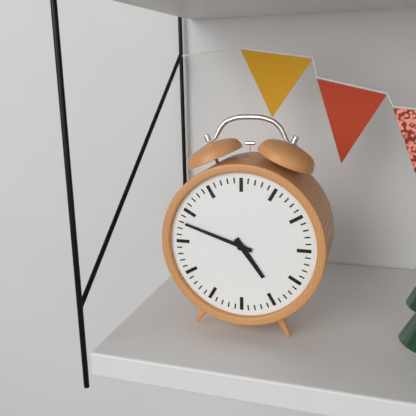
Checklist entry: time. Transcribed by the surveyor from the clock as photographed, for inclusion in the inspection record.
4:48
